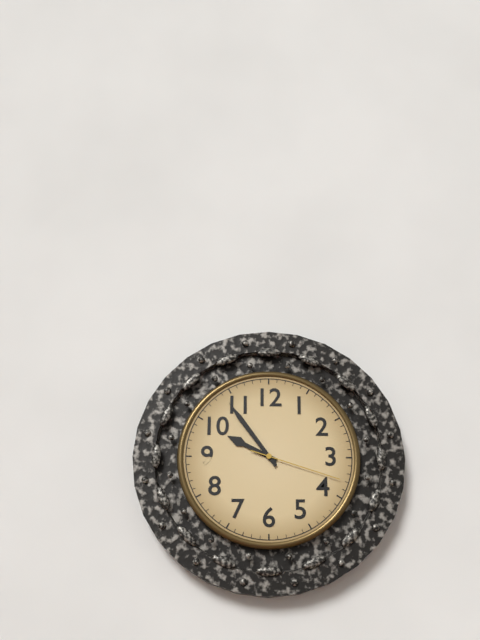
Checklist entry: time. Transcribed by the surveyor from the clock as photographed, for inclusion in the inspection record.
9:54:18
